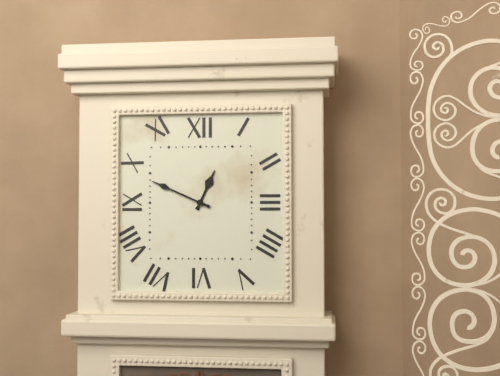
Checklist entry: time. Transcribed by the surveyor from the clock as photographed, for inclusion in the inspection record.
12:49
